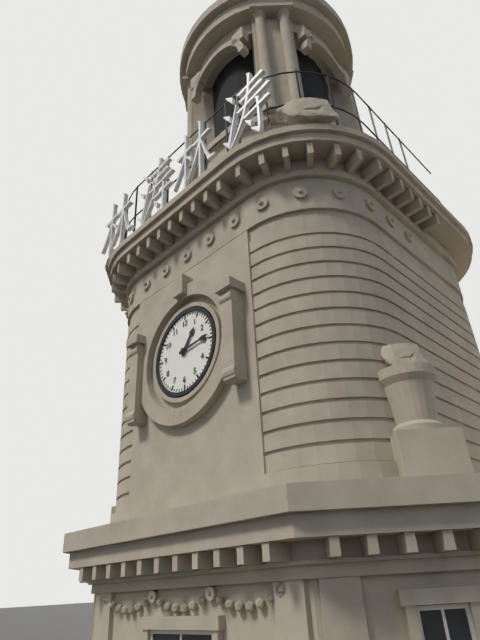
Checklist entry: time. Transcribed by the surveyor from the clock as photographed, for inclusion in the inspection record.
1:14
